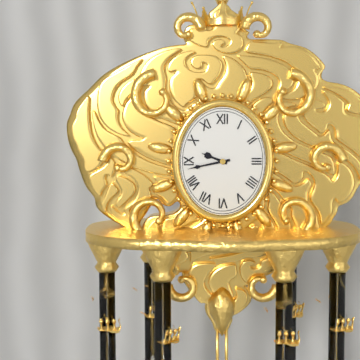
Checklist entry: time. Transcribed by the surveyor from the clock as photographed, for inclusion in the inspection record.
9:43
